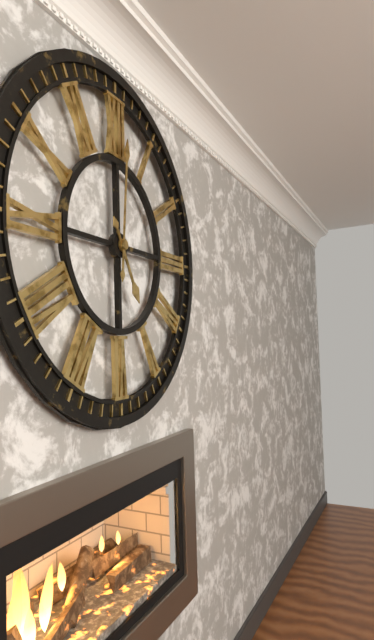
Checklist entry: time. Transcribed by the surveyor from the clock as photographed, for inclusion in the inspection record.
5:01
